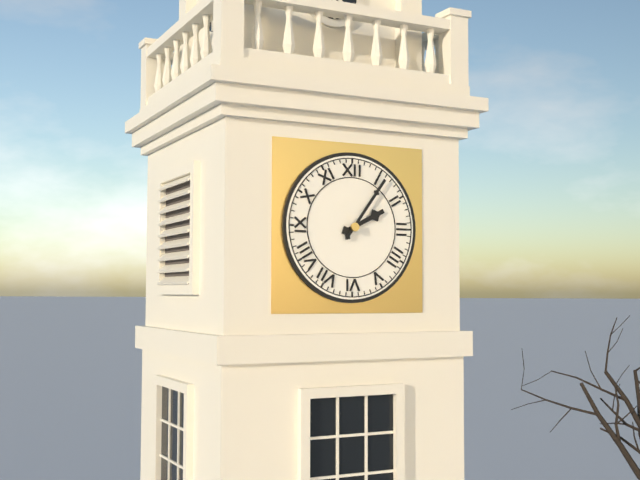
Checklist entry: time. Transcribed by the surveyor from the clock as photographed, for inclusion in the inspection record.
2:06
